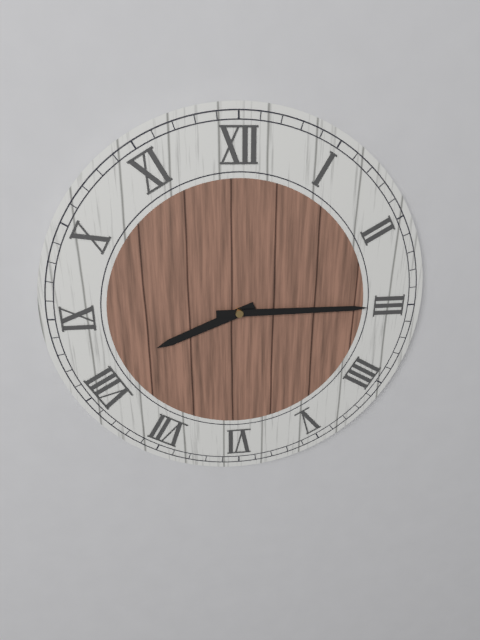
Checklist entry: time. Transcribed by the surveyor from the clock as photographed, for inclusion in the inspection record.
8:15
